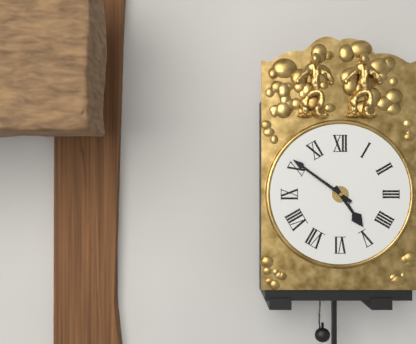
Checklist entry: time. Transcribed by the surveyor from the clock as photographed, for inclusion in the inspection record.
4:51
